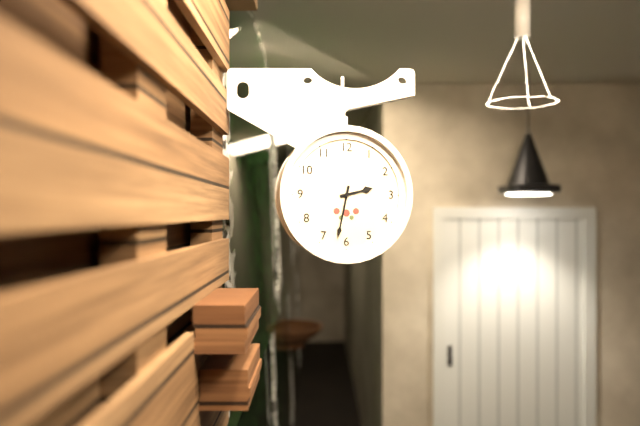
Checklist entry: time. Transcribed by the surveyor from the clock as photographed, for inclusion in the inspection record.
2:32
